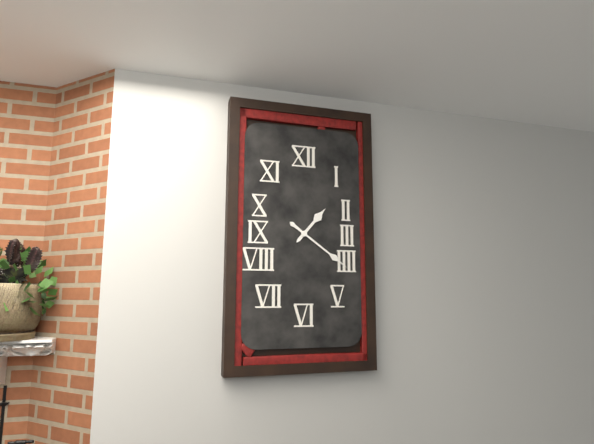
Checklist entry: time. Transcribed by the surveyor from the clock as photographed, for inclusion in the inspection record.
1:21
